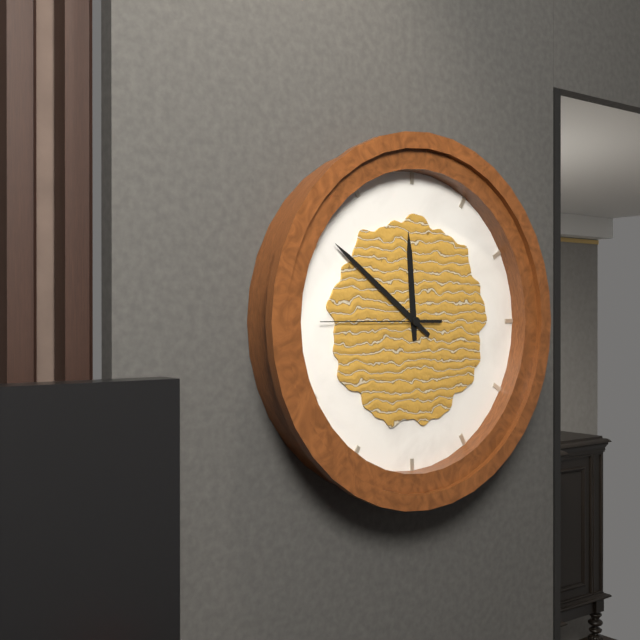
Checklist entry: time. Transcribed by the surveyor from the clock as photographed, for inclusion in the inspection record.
11:51:45
